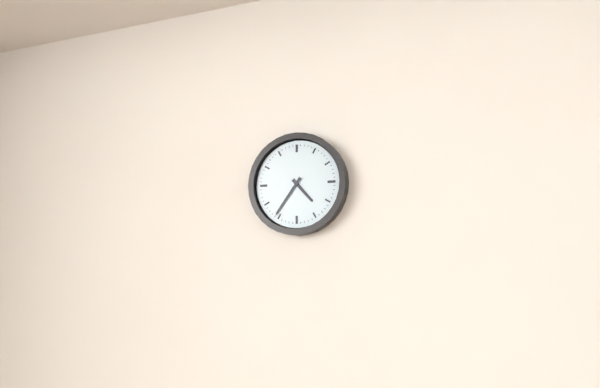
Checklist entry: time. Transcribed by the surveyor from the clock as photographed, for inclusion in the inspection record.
4:36
